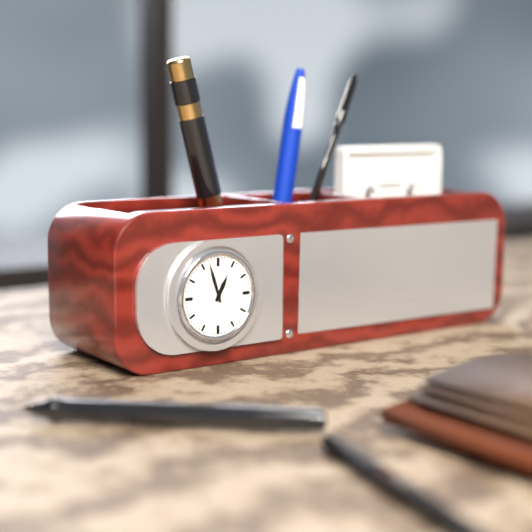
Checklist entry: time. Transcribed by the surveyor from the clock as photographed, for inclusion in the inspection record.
12:57
